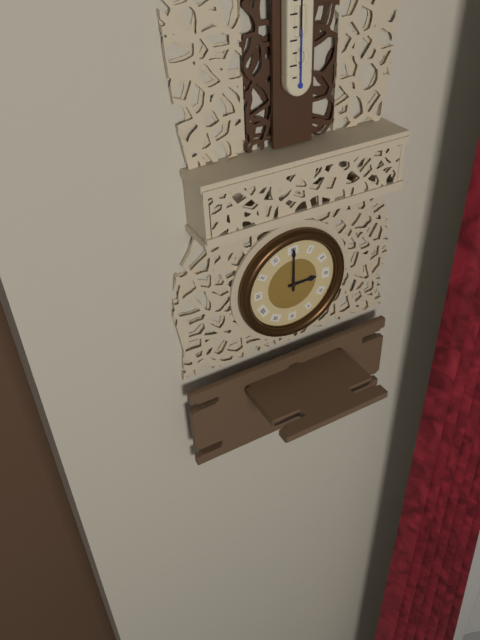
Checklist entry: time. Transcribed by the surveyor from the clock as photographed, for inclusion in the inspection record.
3:00
